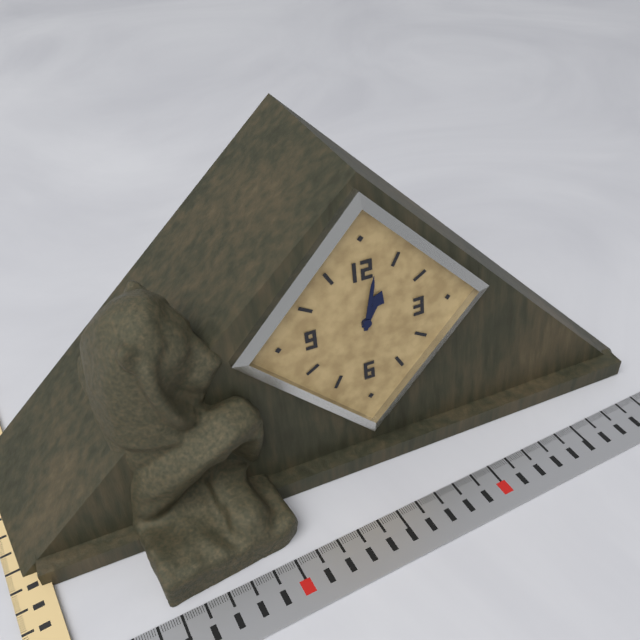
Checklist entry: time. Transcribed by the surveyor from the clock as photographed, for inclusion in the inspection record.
1:02
